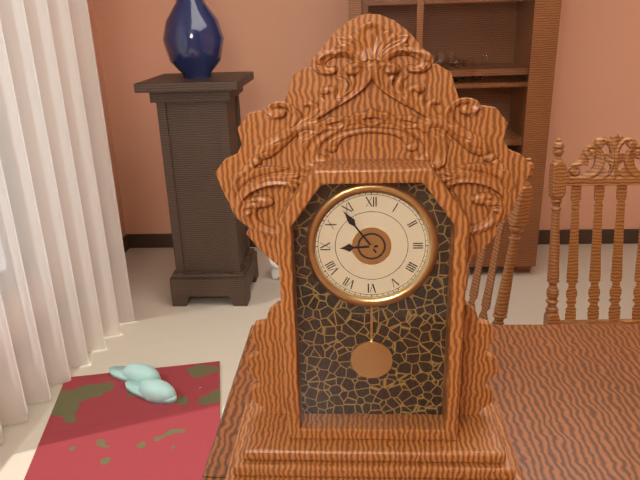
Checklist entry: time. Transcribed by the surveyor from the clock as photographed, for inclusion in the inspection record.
8:54
